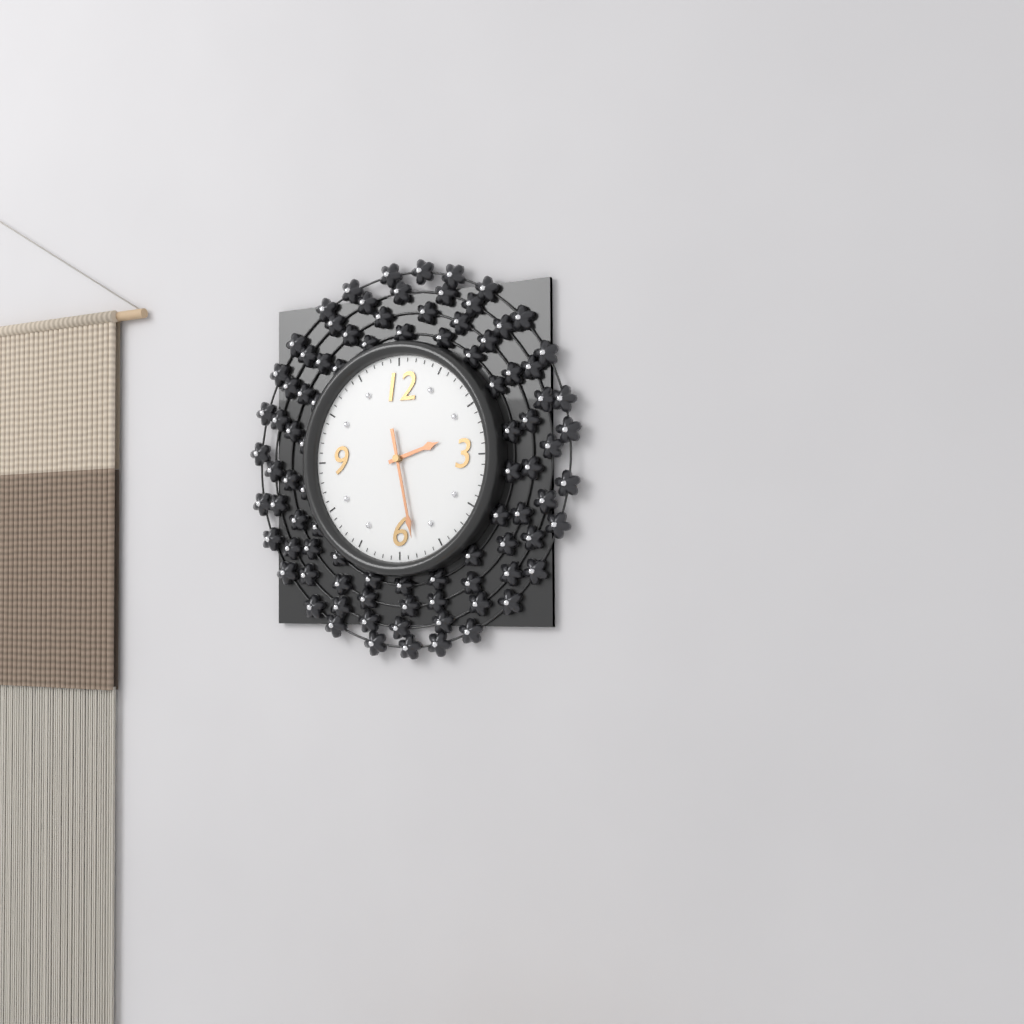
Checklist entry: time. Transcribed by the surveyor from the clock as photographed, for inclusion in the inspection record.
2:28
